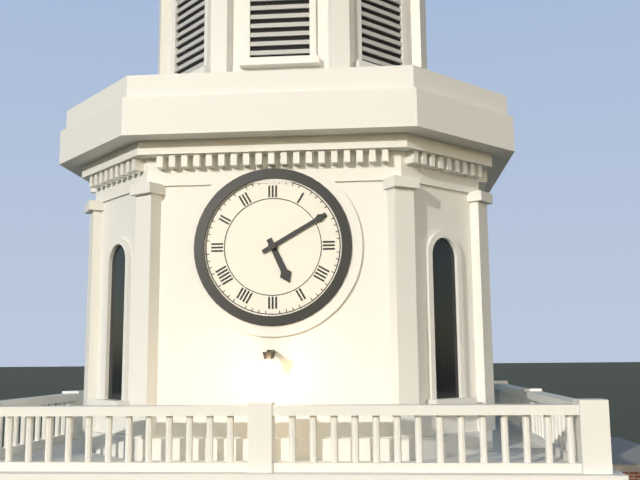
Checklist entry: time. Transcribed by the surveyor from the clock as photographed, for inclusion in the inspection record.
5:10
